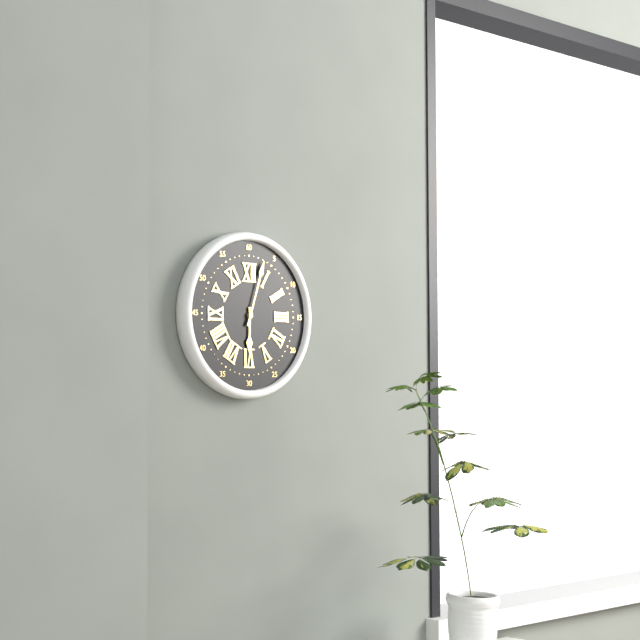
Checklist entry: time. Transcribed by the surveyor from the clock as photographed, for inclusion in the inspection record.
6:03
